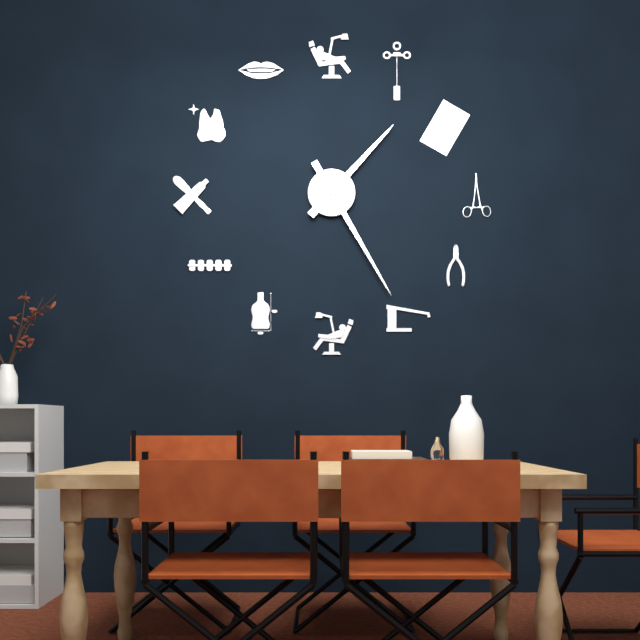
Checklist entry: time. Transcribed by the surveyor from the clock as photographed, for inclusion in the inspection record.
1:25
